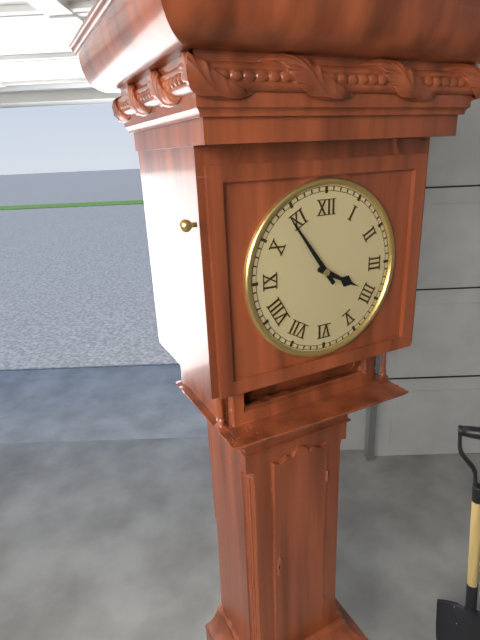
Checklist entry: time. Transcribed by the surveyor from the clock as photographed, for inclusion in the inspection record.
3:54
